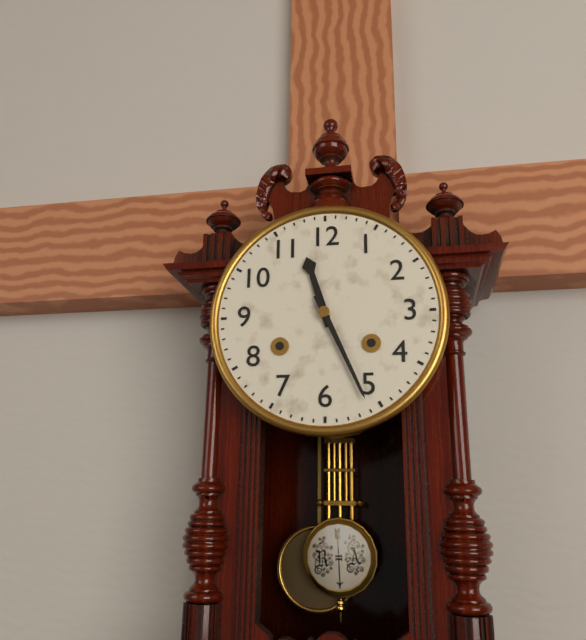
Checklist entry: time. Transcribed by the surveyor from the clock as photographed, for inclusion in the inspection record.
11:26
